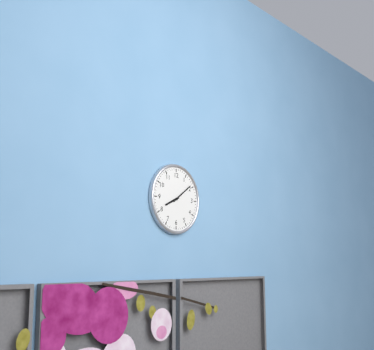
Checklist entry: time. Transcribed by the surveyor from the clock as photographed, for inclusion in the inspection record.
8:09
